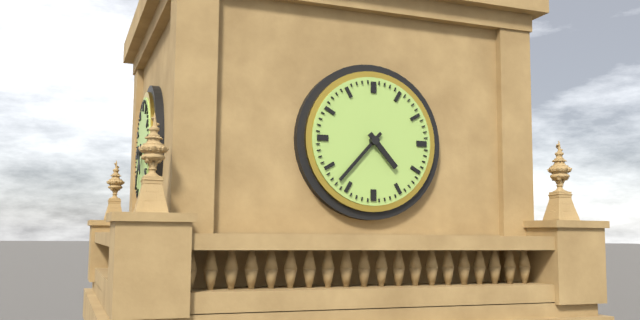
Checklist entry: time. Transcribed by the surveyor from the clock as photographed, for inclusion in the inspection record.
4:37
